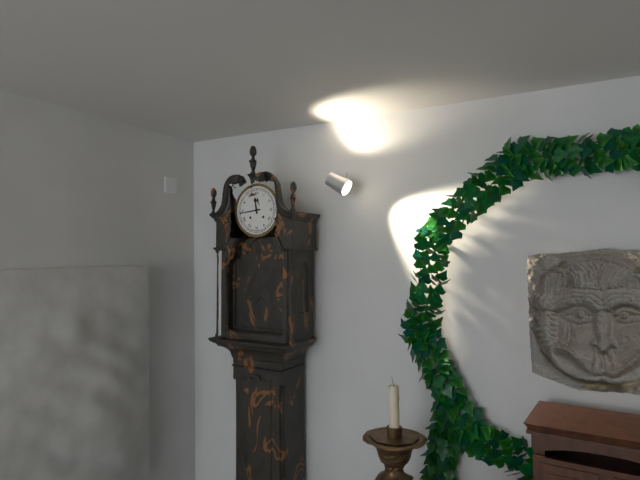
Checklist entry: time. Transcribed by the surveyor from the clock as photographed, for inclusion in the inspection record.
11:44
